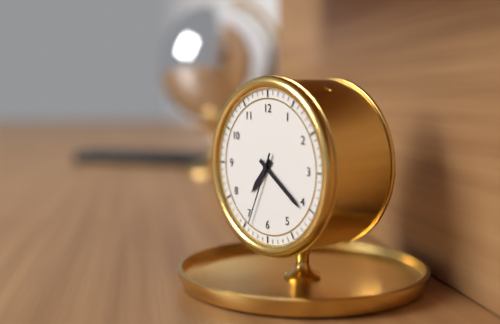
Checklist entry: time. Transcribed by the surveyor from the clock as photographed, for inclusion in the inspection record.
7:21:34
